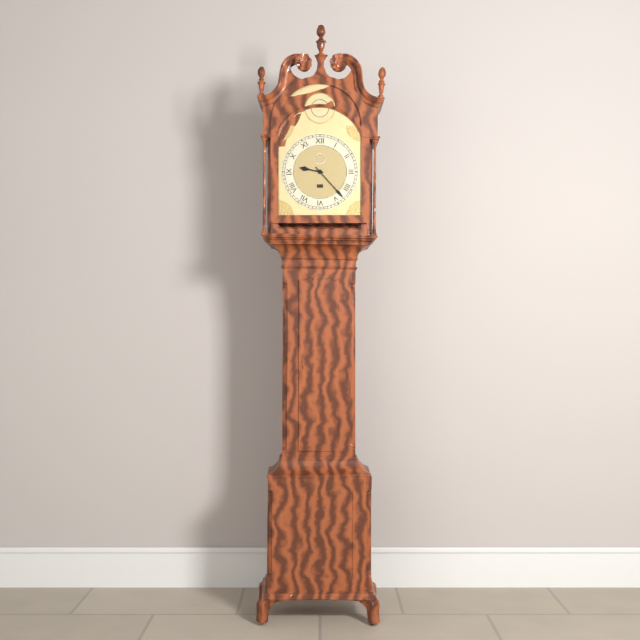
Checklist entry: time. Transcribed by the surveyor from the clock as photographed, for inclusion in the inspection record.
9:23
